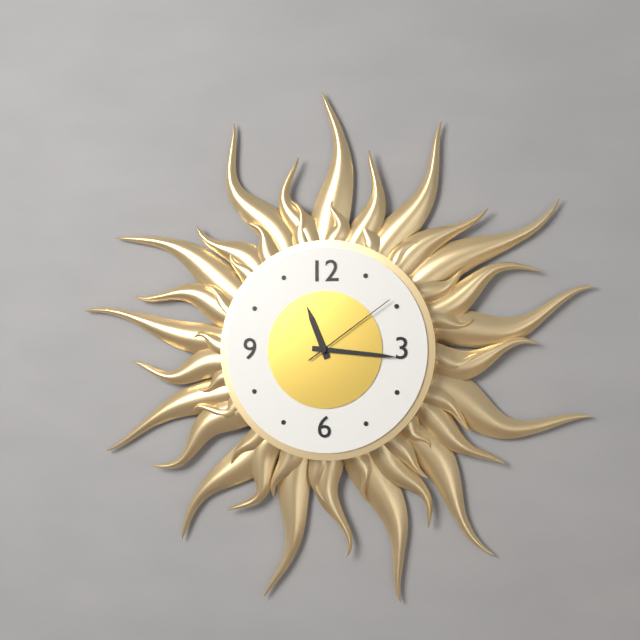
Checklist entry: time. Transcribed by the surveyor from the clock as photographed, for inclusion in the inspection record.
11:16:09
